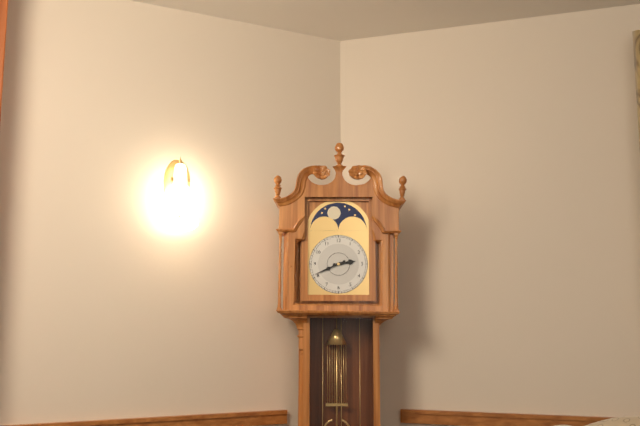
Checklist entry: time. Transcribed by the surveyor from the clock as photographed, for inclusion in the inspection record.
2:41
